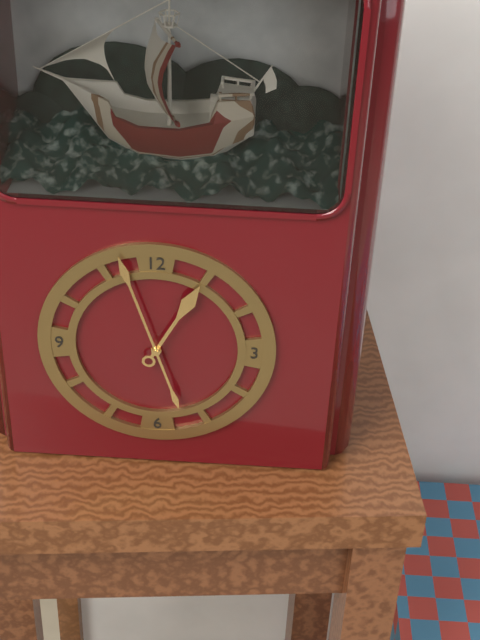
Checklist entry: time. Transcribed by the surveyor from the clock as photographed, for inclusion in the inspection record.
12:57
